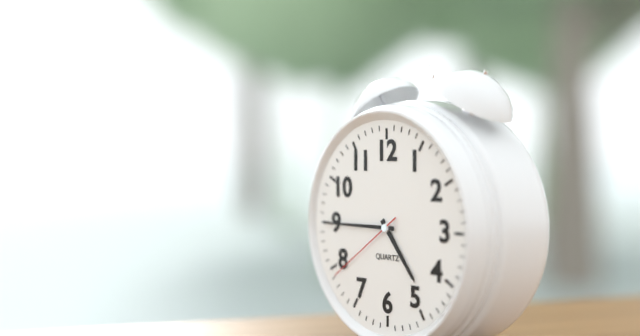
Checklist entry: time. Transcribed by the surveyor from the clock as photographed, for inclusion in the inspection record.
4:45:39
